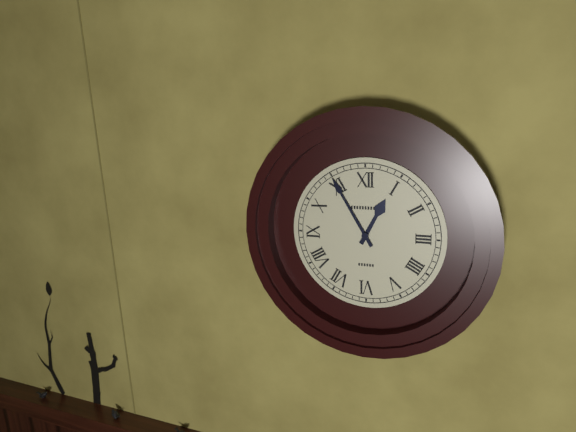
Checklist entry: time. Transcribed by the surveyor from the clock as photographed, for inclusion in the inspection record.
12:55
